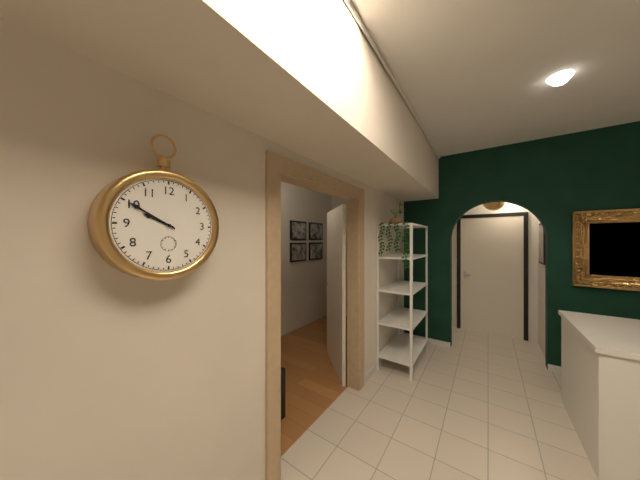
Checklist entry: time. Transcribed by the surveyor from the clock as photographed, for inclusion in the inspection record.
9:50
